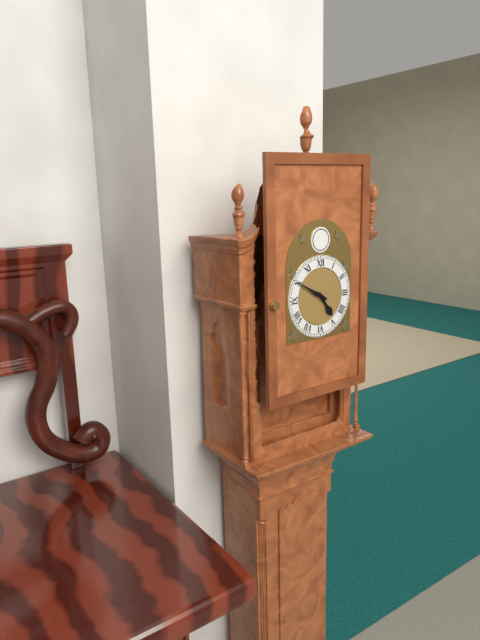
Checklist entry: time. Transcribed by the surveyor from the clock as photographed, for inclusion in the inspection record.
4:50
